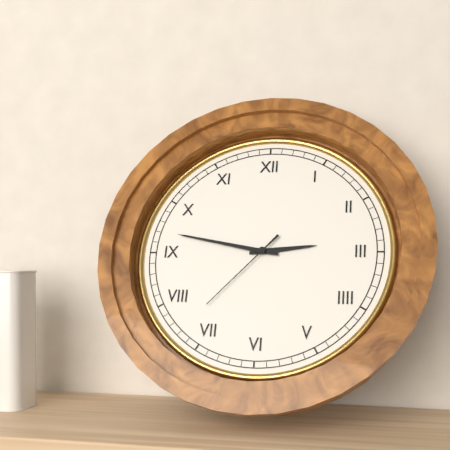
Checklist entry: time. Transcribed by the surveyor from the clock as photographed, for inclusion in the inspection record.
2:47:37
